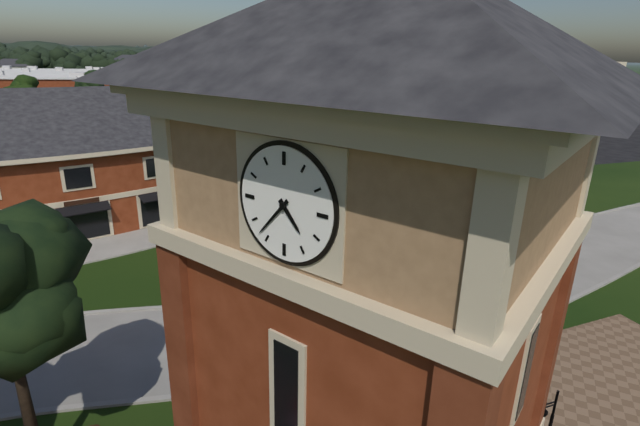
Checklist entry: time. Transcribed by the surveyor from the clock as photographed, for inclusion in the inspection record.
4:37
